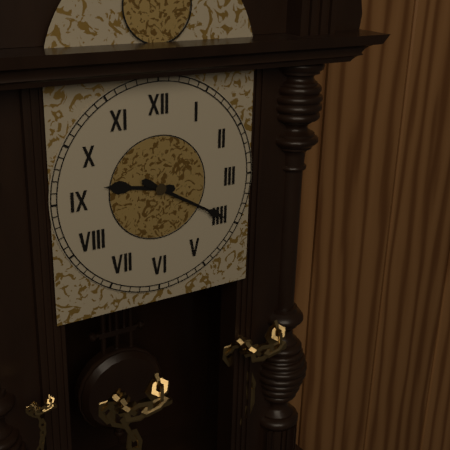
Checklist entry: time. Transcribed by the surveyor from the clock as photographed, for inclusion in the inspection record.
9:20
